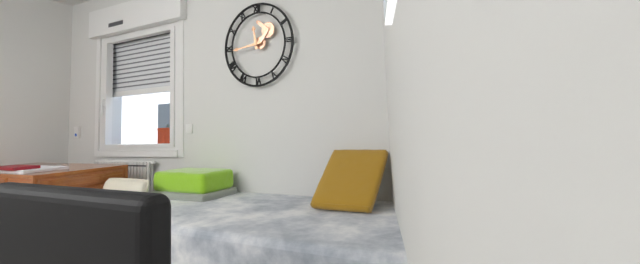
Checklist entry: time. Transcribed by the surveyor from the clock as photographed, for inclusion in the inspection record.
11:44
